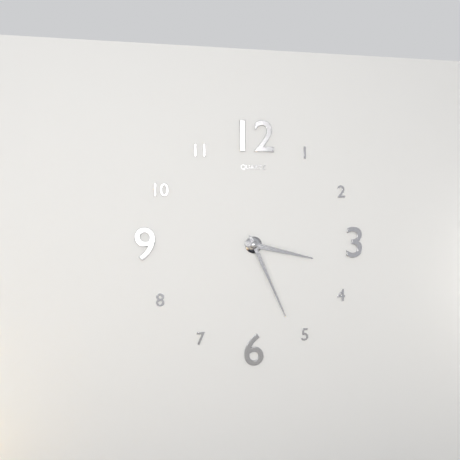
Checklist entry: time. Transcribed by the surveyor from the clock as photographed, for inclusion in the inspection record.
3:26
